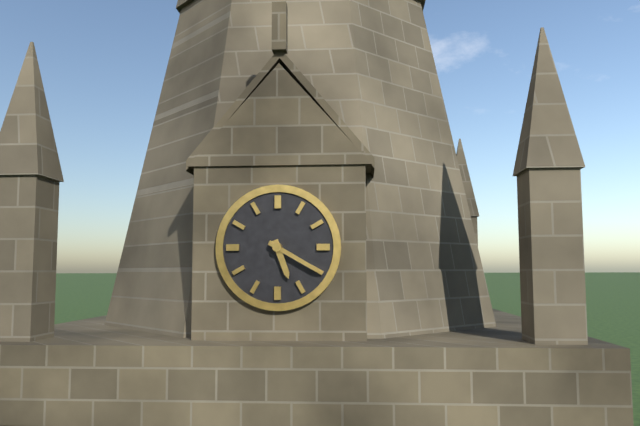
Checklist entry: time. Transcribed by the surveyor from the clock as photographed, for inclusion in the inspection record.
5:20
